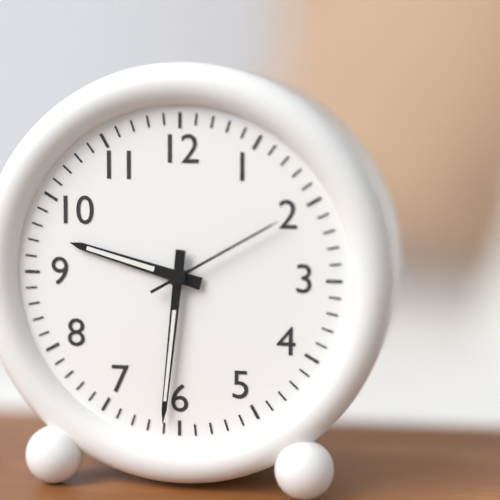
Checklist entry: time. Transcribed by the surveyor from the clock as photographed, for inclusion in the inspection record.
9:31:10
